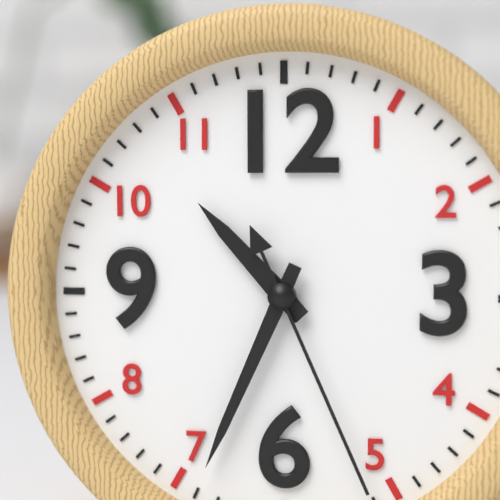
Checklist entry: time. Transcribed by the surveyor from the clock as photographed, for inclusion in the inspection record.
10:34:26
